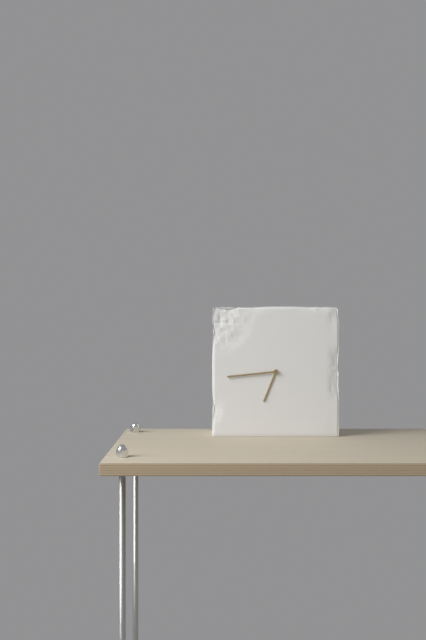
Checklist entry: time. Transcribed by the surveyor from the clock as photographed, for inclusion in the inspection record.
6:44
